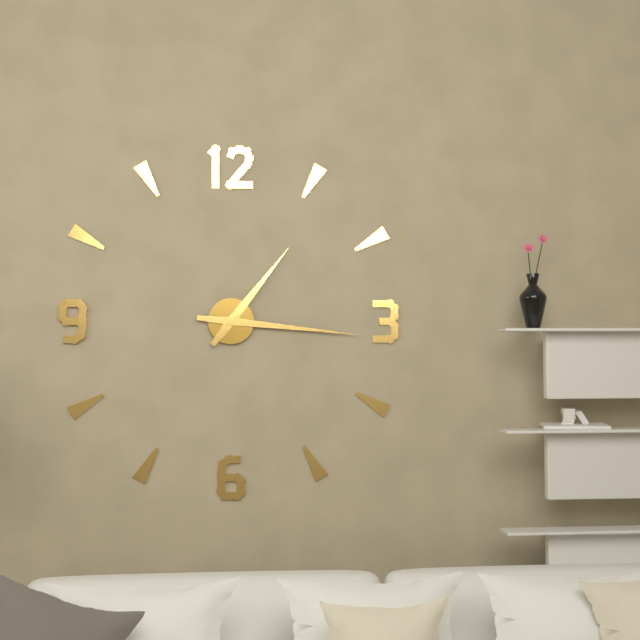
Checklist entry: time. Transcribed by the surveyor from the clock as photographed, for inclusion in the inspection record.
1:16
